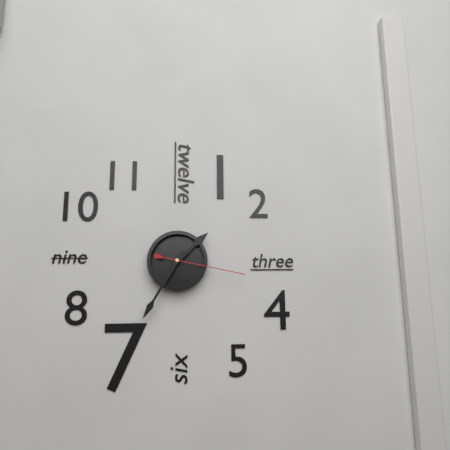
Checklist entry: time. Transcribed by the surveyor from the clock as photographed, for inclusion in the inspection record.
1:35:17
